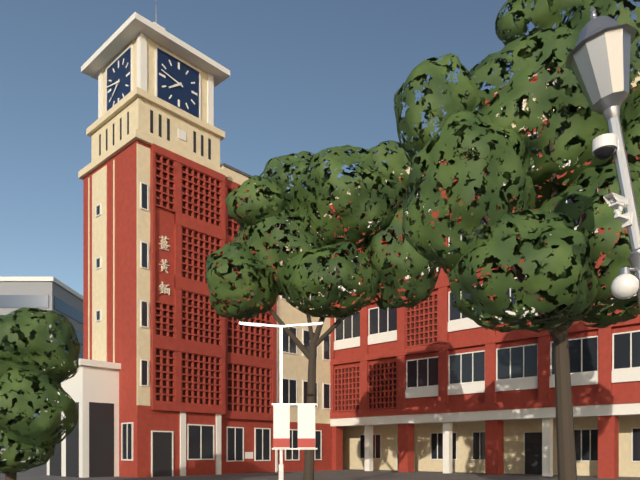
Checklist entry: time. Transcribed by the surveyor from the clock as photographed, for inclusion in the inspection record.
7:47
